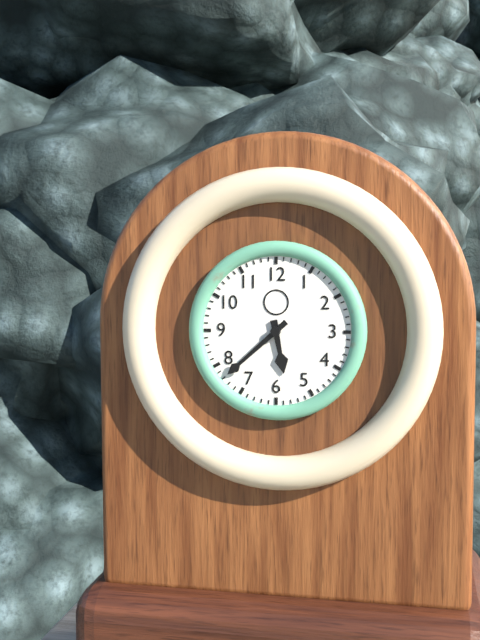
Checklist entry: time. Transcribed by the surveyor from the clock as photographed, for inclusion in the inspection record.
5:38
